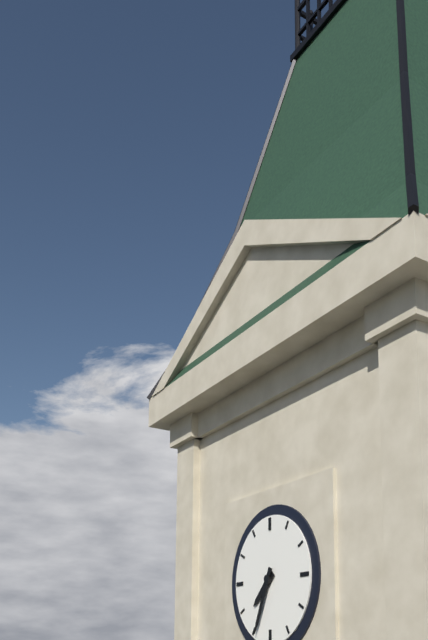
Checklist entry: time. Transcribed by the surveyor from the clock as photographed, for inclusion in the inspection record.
7:34
